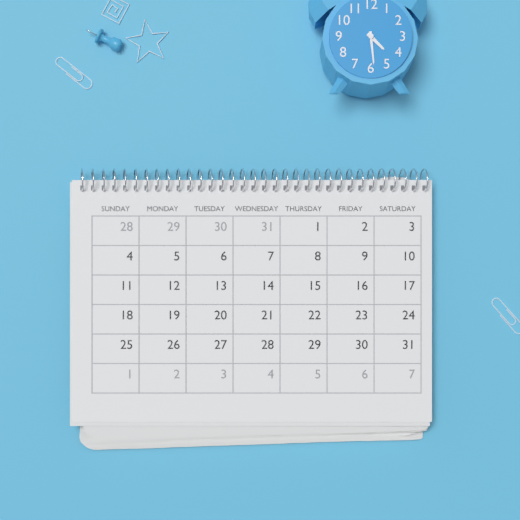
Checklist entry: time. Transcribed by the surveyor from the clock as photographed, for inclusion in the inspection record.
4:29
